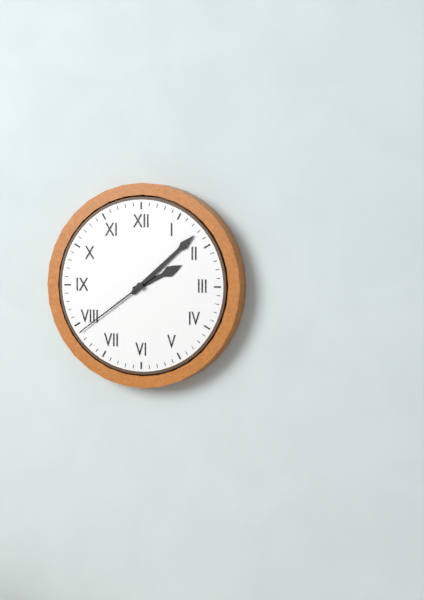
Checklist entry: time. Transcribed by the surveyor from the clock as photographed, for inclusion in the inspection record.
2:08:39
